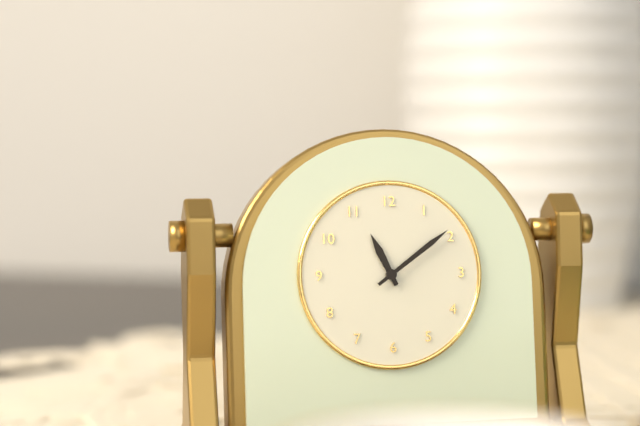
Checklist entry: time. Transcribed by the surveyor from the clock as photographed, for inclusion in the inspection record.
11:09
